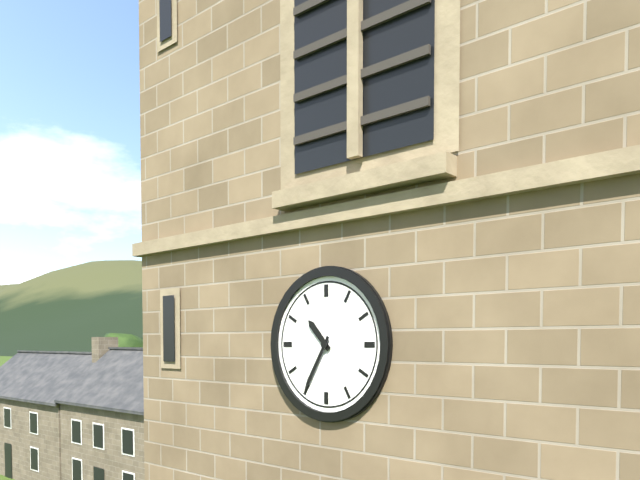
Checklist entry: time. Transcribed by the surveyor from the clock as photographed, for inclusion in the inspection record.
10:35
